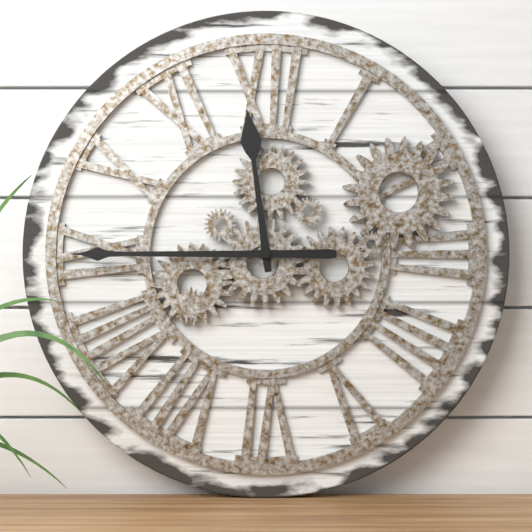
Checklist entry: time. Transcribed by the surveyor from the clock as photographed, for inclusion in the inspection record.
11:45
